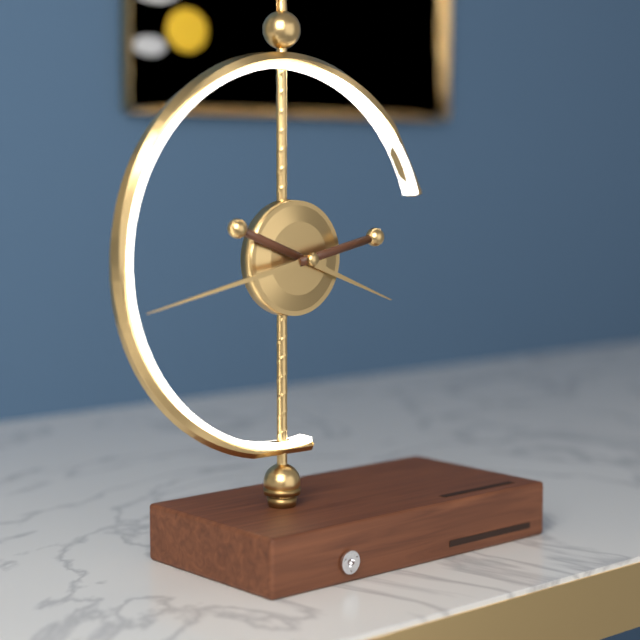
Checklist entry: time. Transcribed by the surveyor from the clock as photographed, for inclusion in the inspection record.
3:43
